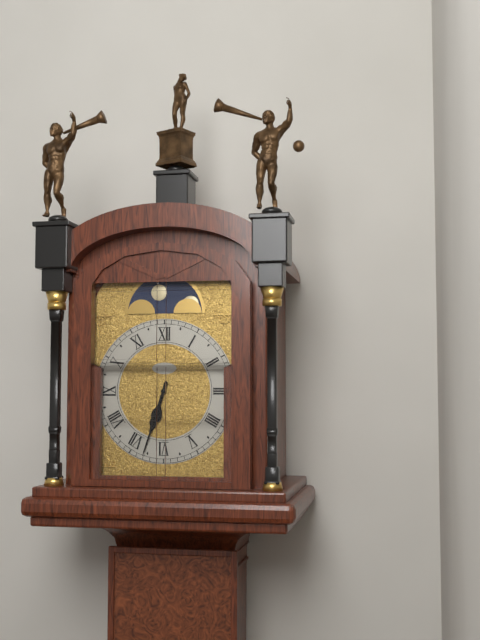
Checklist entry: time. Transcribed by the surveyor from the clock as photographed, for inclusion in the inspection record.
6:33
